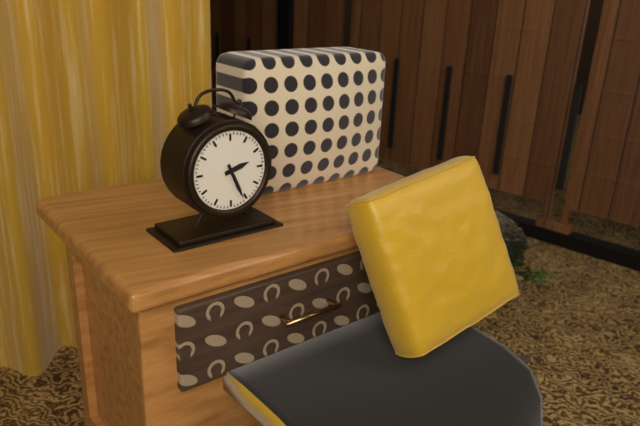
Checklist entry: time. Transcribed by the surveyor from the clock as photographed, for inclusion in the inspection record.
2:26
